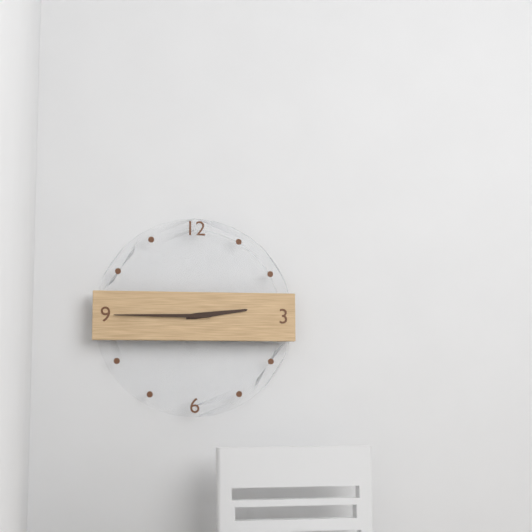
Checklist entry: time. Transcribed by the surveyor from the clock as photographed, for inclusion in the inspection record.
2:45
